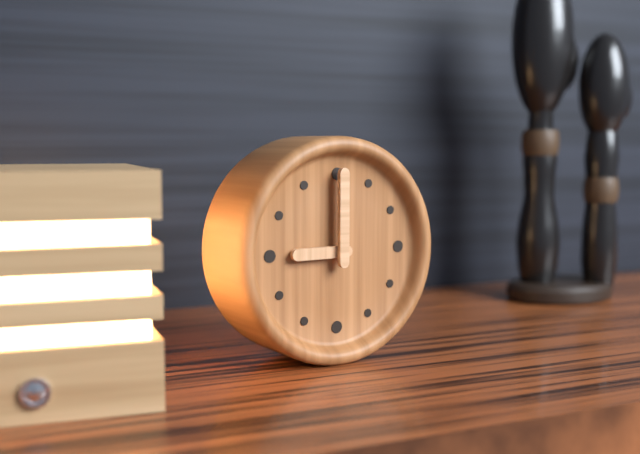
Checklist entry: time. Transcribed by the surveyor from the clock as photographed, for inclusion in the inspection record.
9:00
